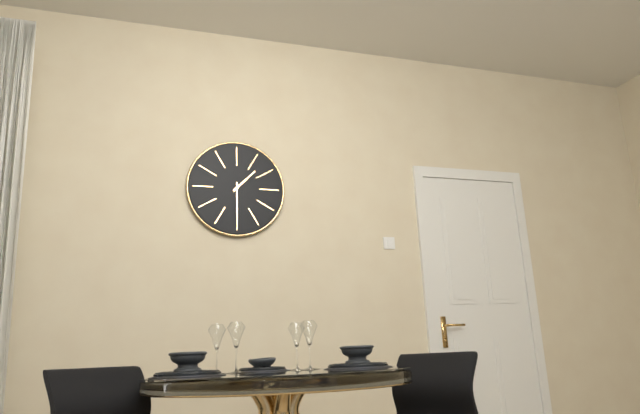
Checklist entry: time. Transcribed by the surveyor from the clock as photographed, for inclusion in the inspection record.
1:30
